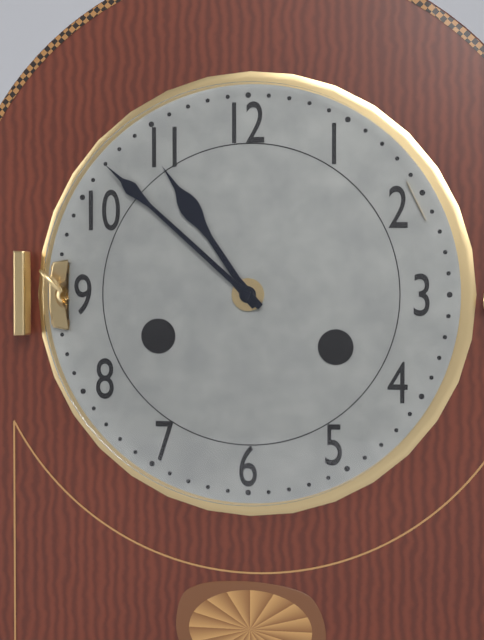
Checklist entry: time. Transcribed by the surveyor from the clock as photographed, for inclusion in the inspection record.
10:52
